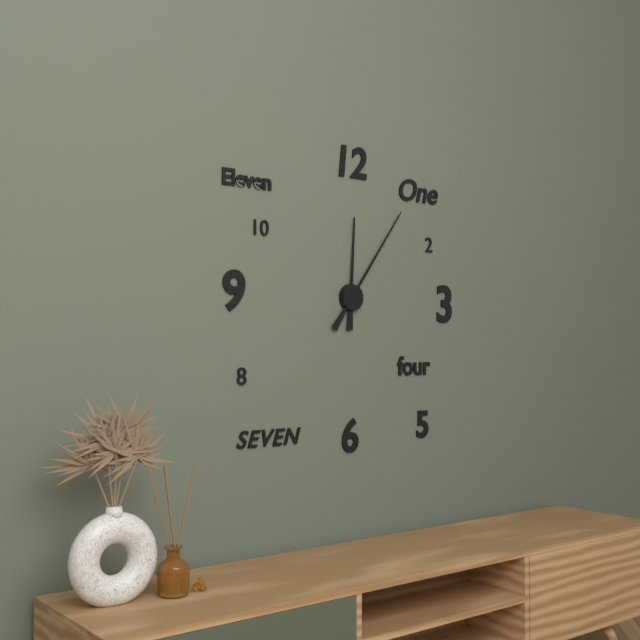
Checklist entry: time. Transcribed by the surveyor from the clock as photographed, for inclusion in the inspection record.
12:06
